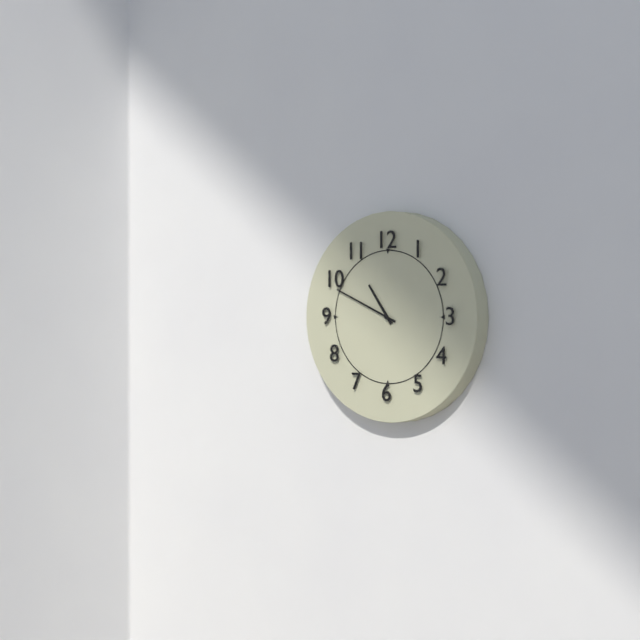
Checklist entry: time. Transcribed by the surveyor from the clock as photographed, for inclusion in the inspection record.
10:49
